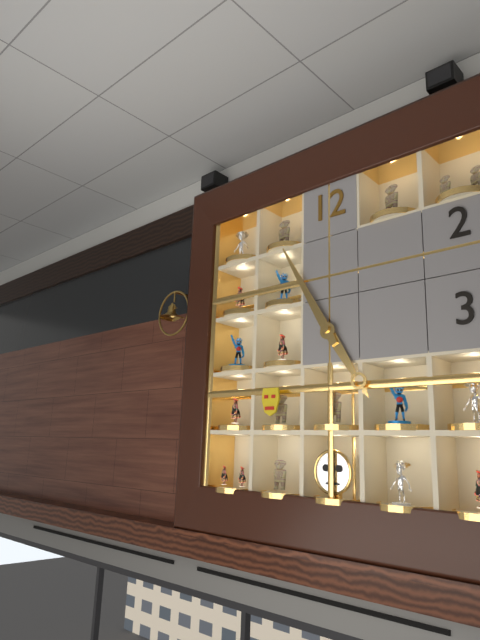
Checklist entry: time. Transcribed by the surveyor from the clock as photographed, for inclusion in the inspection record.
4:55
